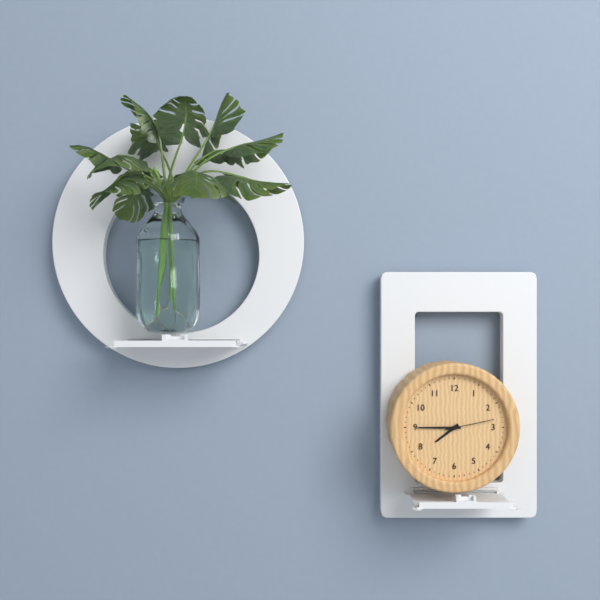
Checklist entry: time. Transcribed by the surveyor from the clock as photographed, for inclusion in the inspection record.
7:45:13
